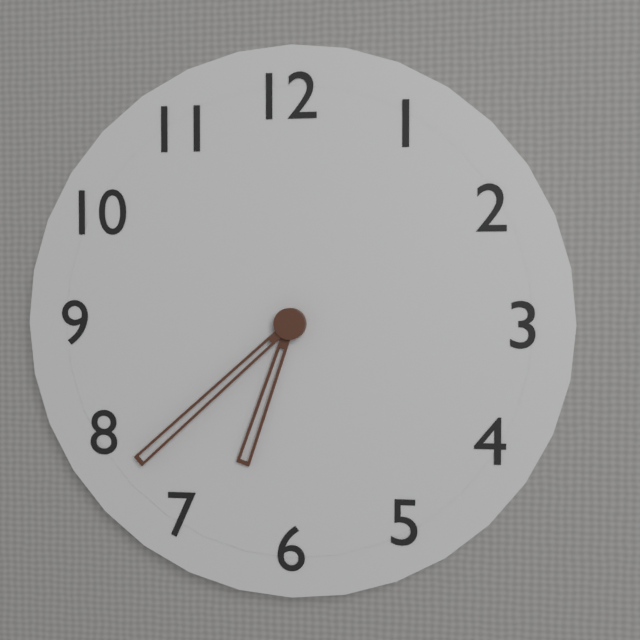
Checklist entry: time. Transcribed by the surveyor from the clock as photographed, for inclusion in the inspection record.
6:38
